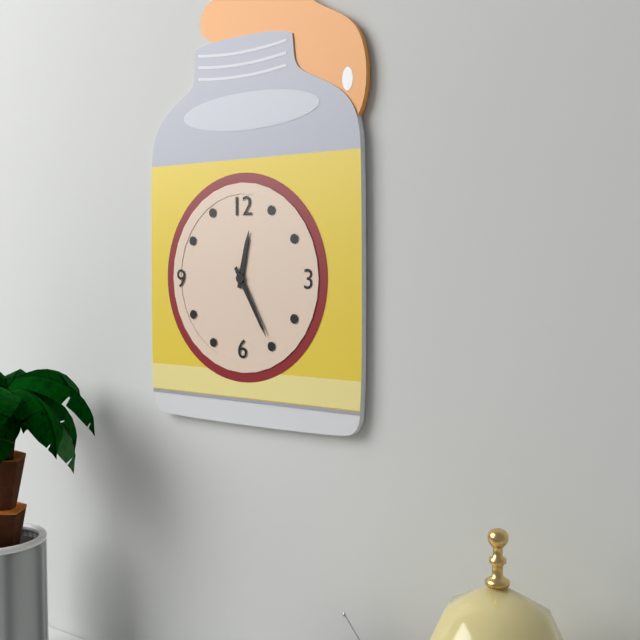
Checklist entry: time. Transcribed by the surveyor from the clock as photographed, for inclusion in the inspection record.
12:25
